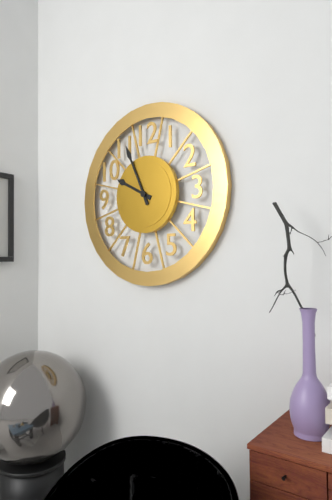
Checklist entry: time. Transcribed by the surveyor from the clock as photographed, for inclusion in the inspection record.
9:56
